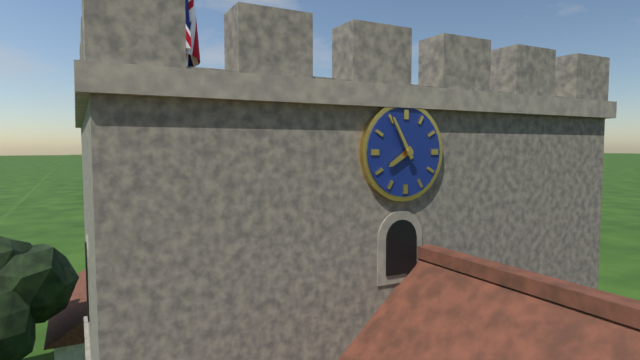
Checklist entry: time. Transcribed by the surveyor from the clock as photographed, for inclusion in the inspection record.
7:55
